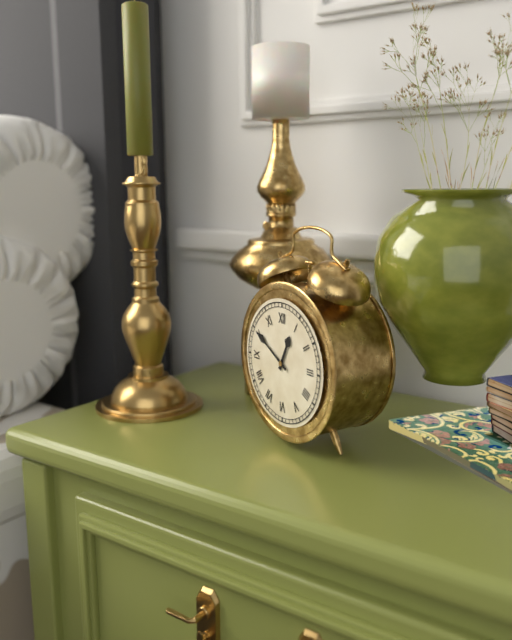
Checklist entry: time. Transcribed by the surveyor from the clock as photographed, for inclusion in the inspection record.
12:50
